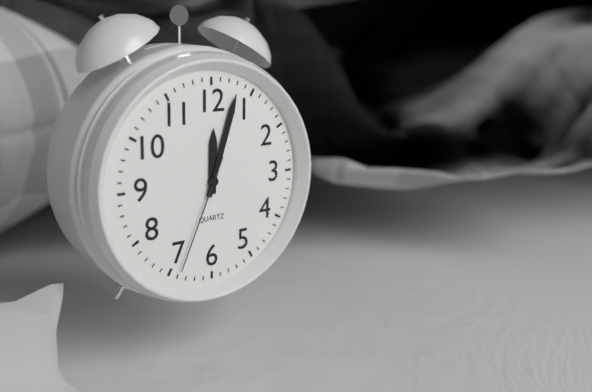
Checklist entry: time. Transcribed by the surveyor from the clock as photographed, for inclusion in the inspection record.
12:03:34
